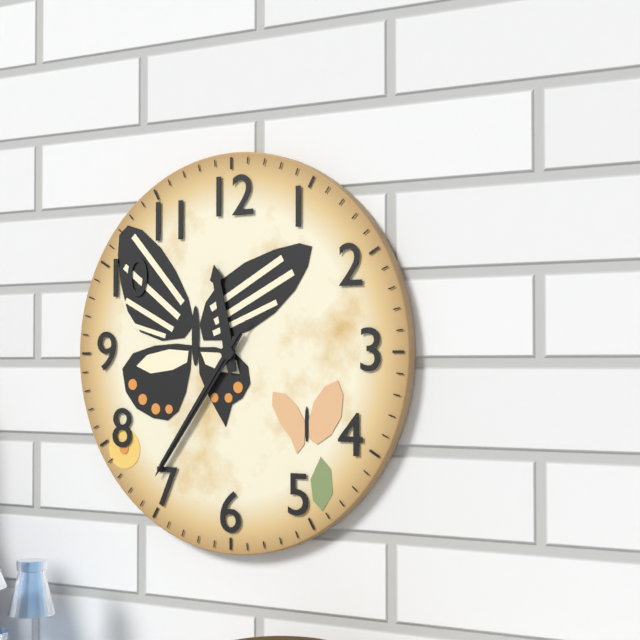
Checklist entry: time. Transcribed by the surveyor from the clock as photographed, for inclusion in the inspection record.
11:36:36
